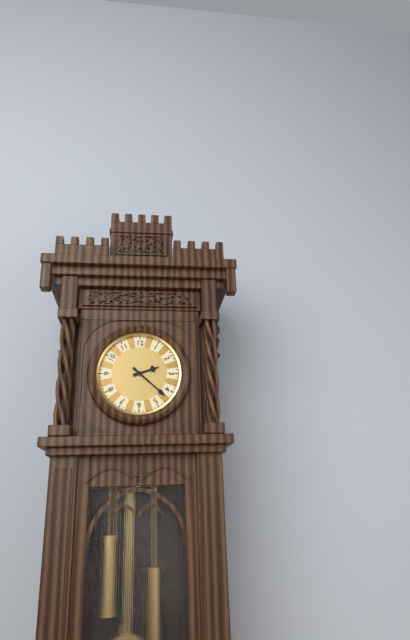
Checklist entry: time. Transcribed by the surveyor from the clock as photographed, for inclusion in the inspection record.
2:22
